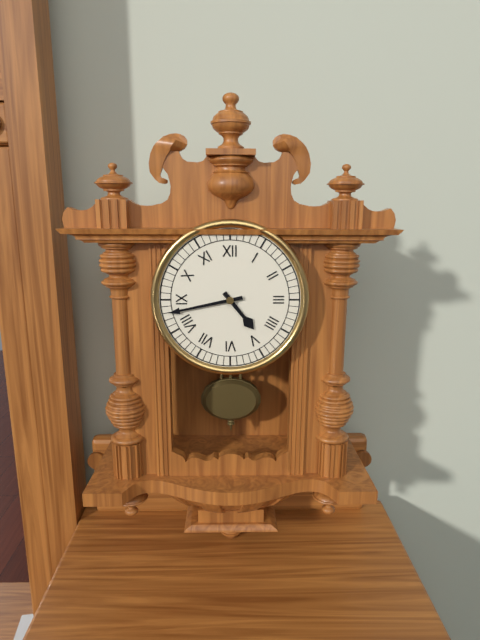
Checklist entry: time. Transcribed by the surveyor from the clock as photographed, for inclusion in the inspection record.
4:43
